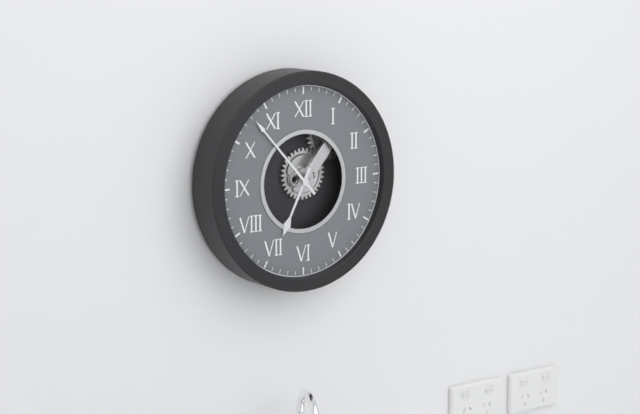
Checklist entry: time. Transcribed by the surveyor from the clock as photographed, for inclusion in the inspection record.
6:53
